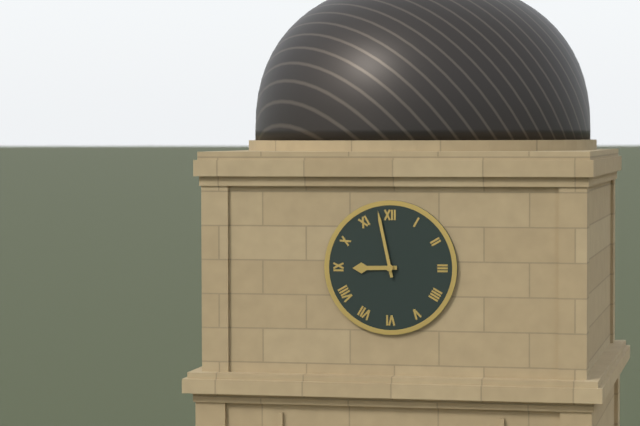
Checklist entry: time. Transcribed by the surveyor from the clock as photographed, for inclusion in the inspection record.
8:58
